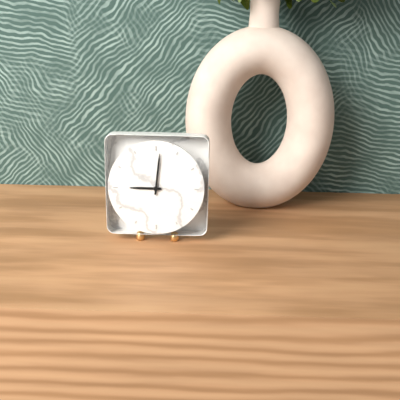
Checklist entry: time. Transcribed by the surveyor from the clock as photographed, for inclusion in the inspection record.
9:01
